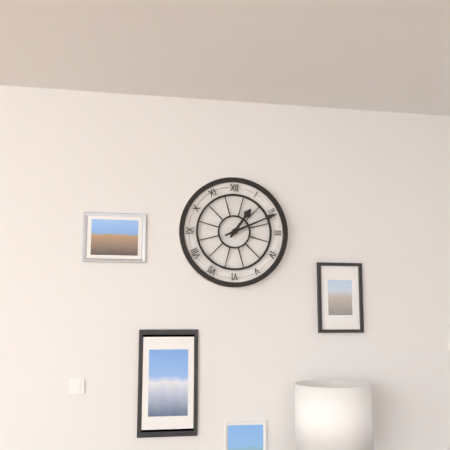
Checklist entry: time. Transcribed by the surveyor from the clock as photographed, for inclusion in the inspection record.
1:11
